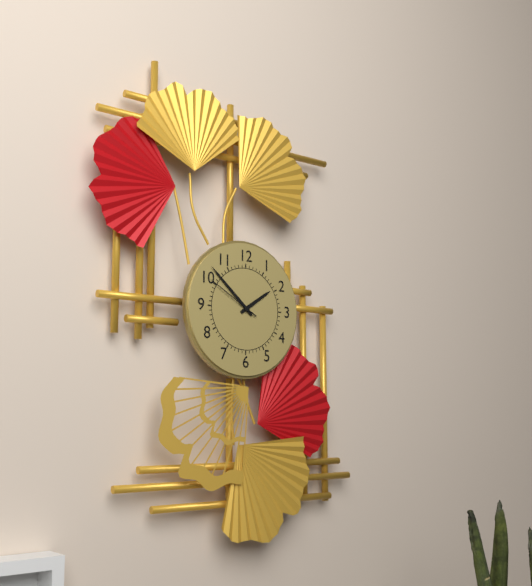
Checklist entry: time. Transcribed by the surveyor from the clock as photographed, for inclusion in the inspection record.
1:52:50
